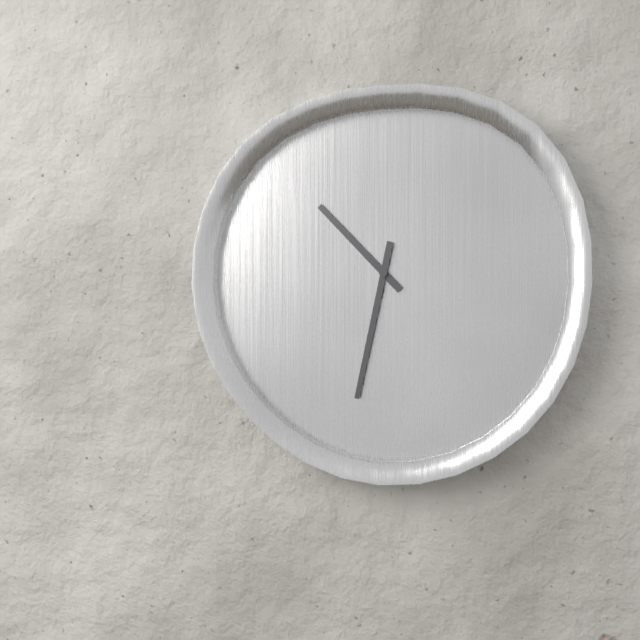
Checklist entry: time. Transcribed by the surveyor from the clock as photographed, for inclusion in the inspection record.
10:32
